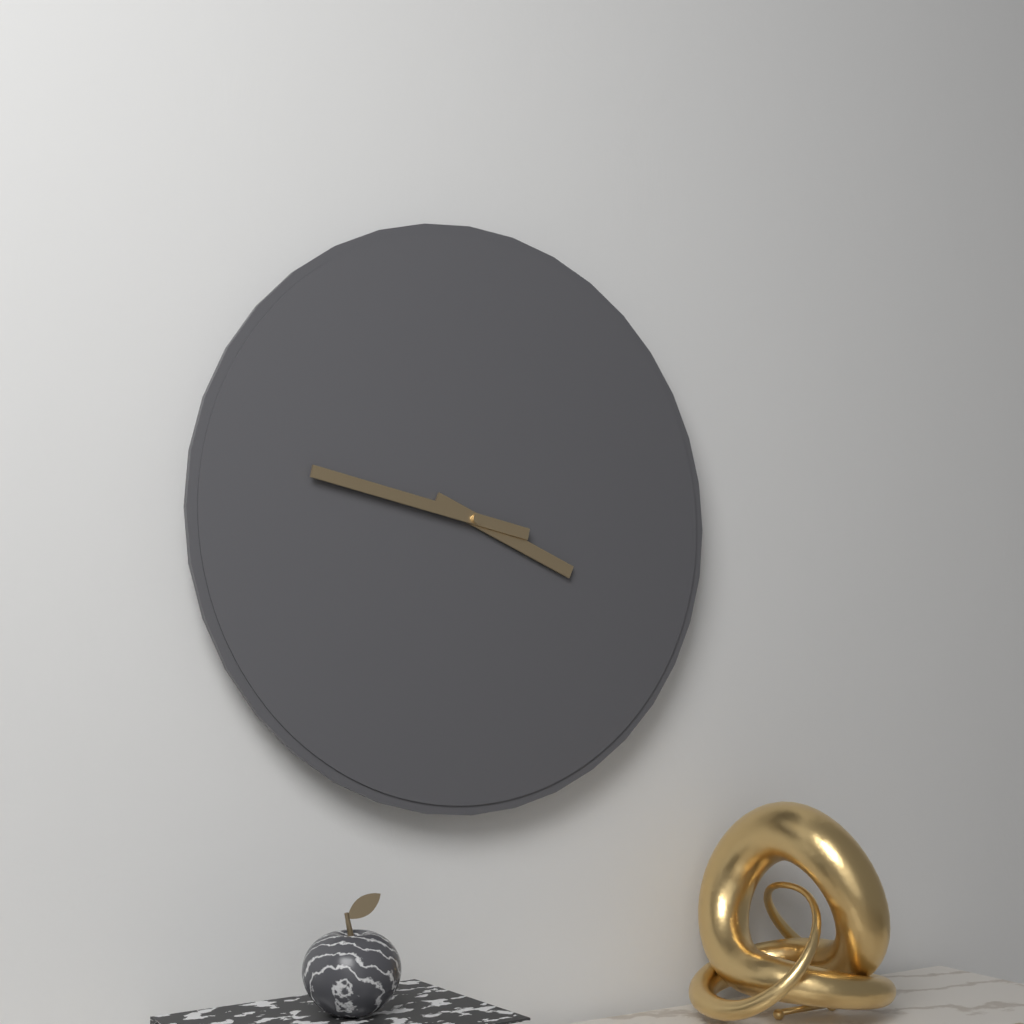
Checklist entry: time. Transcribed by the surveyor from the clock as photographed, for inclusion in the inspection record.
3:47
